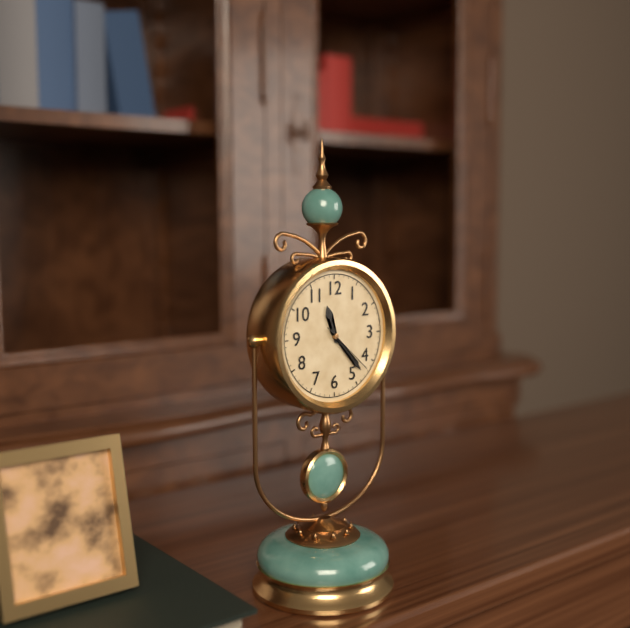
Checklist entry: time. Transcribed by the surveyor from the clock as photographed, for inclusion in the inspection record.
11:23:22
